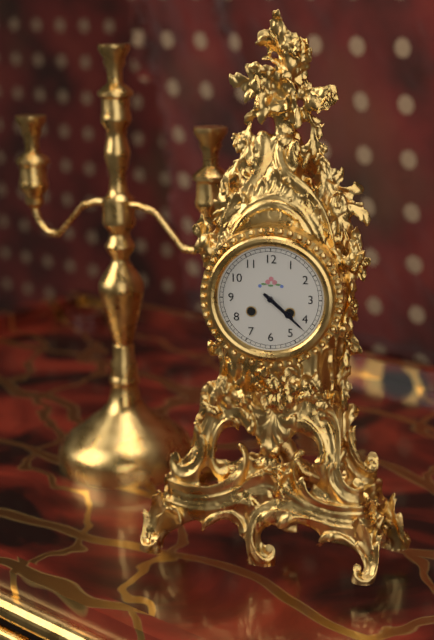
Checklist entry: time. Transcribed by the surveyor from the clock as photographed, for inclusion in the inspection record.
4:22
